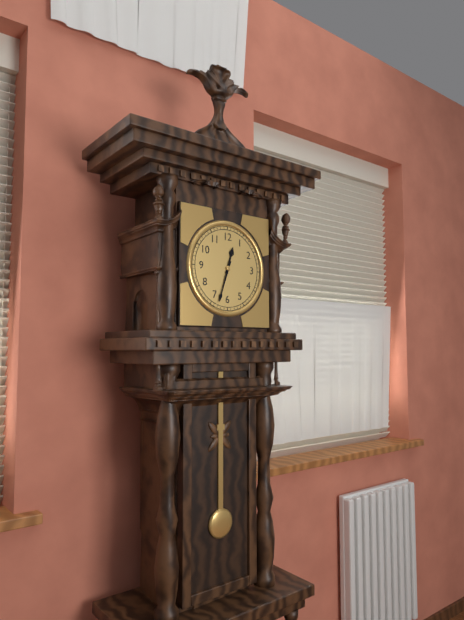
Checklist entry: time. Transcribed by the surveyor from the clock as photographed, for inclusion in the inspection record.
12:33
